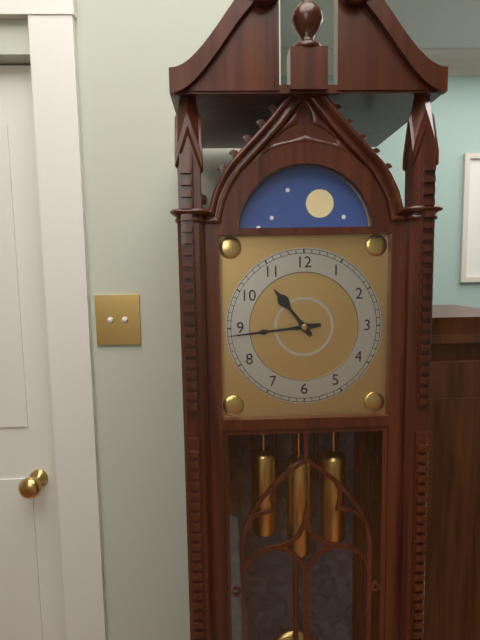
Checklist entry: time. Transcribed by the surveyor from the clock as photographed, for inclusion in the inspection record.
10:44
